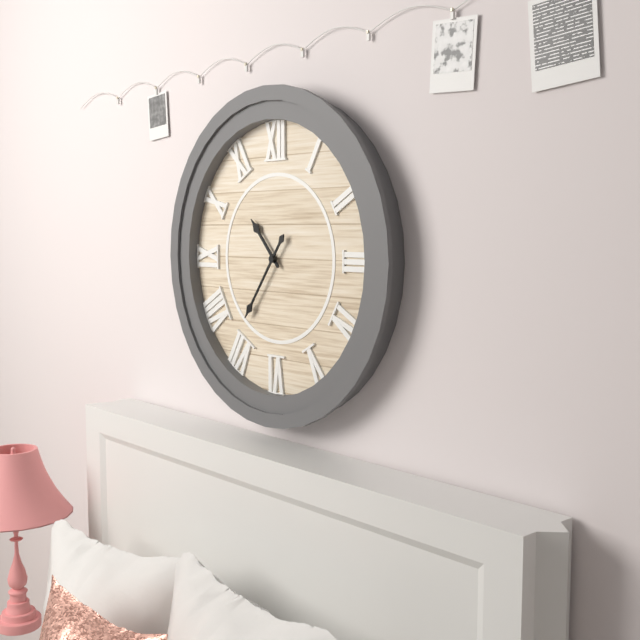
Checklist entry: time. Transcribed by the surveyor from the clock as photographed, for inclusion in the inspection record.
10:36
